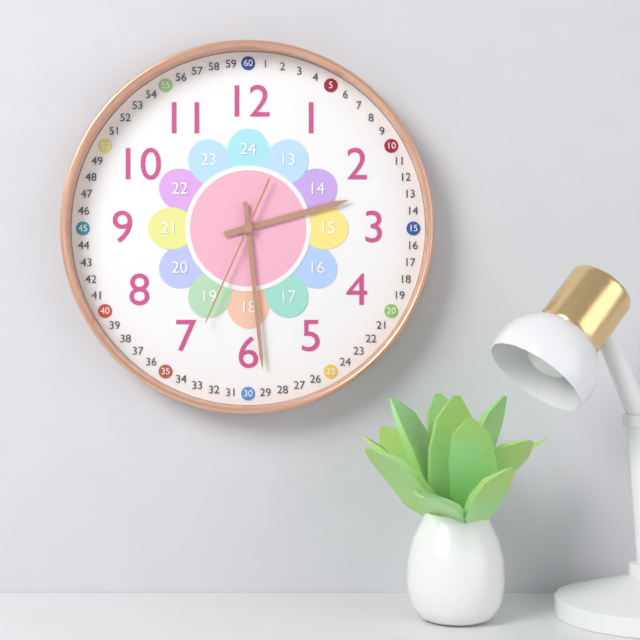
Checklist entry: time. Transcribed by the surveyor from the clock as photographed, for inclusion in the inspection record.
2:29:34
